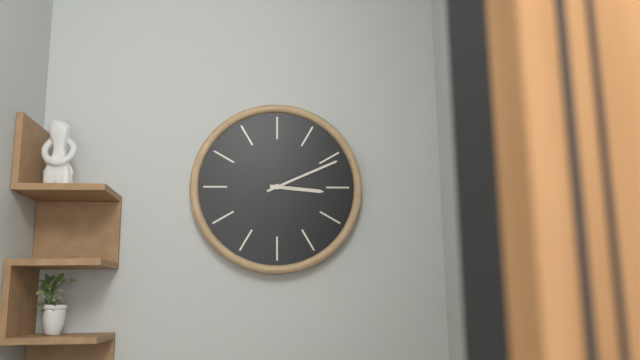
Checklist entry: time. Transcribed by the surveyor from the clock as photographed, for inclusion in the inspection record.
3:11
